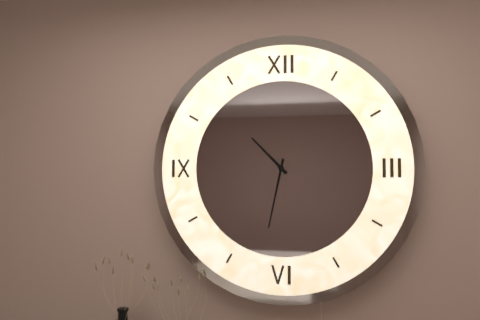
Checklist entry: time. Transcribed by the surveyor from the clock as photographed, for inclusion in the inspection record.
10:32
